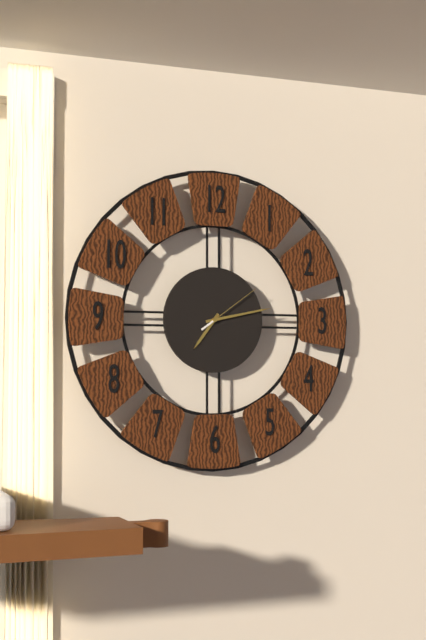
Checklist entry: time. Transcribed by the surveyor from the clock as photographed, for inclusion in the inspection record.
7:13:09
